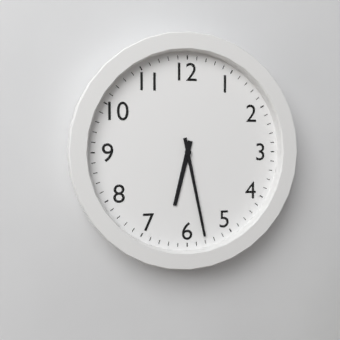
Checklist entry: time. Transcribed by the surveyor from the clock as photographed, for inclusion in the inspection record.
6:28
